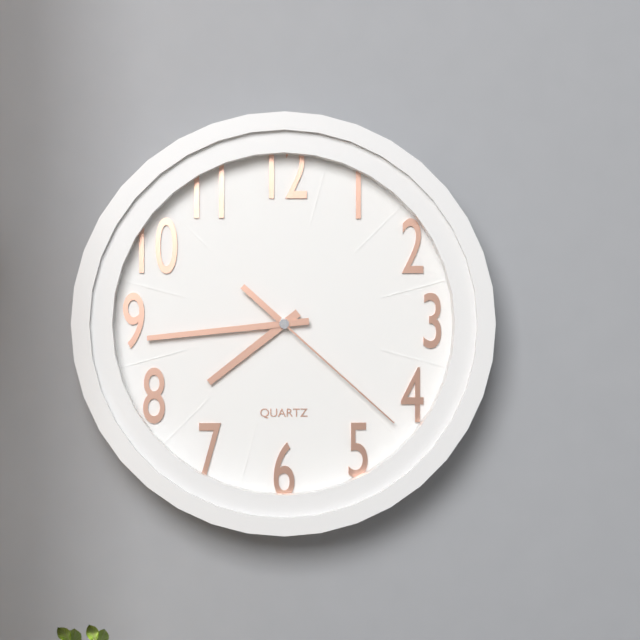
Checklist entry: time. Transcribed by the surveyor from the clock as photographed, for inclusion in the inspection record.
7:44:22
